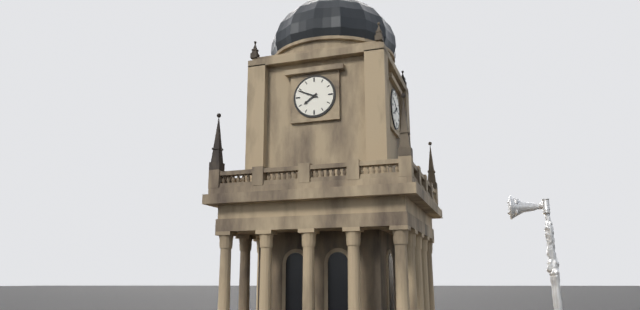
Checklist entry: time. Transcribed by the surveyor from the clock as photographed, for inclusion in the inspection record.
7:49
